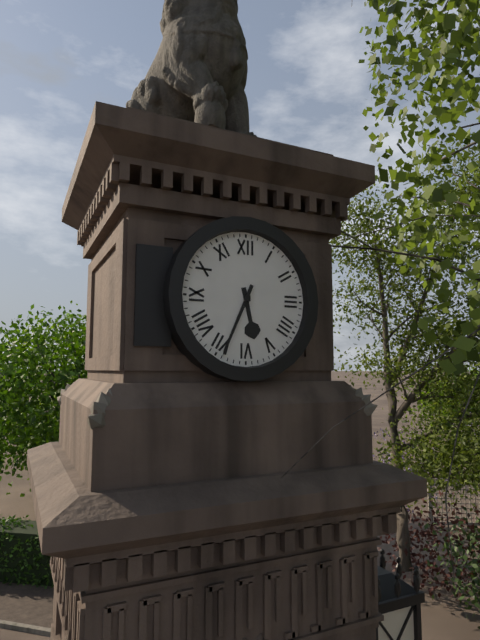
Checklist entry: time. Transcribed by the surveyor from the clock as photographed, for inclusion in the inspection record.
5:34
